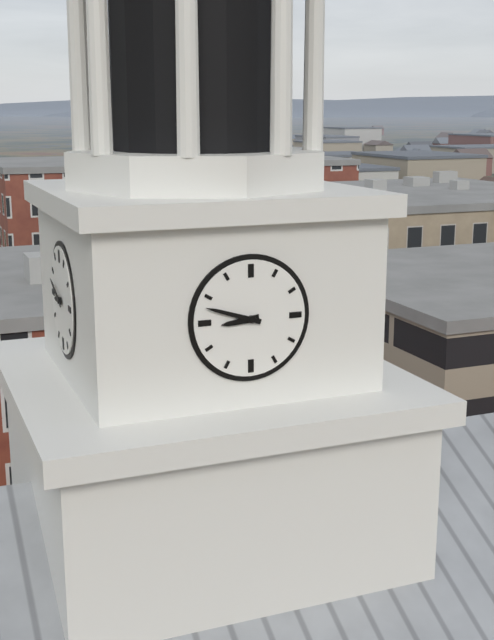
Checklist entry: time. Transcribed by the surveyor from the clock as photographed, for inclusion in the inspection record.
8:48
